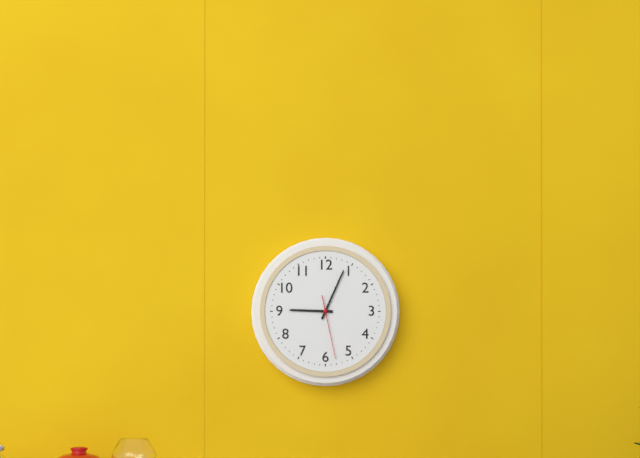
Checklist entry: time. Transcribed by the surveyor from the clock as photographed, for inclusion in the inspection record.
9:04:28
